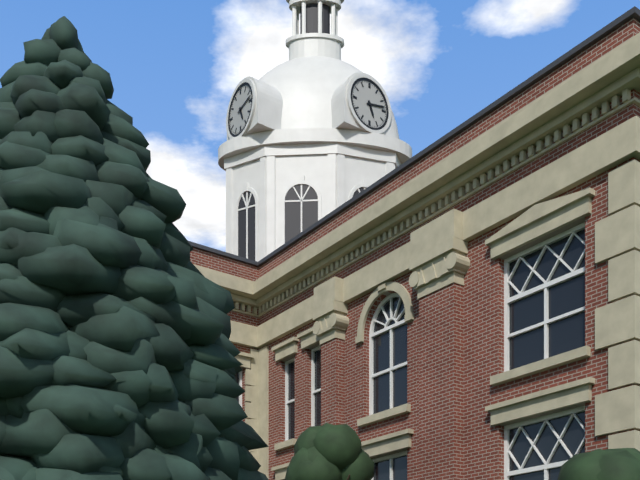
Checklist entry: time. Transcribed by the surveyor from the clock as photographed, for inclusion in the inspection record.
5:13
